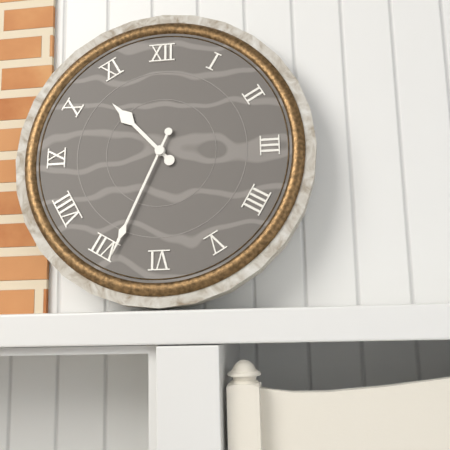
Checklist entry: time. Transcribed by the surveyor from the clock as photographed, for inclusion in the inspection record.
10:34
